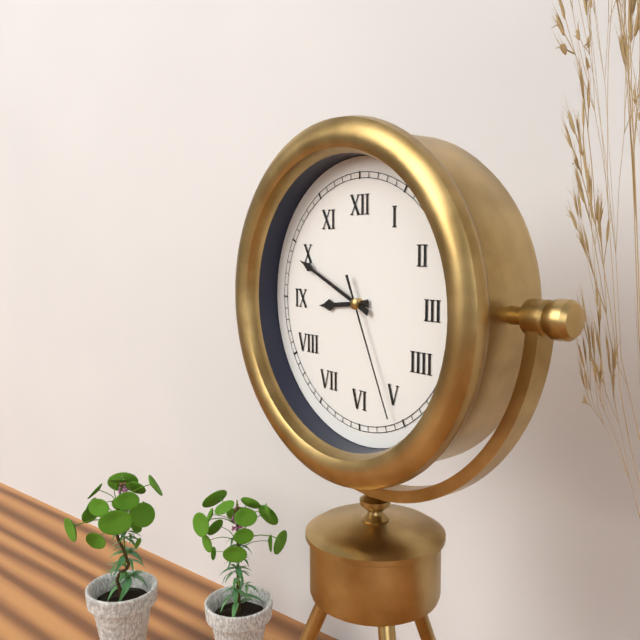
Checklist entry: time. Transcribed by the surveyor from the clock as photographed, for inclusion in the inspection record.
8:49:26
